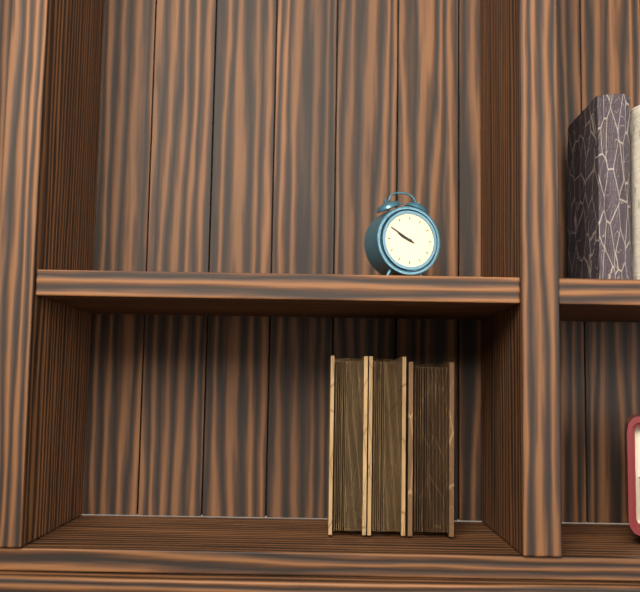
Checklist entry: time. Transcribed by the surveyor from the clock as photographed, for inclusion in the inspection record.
9:50
